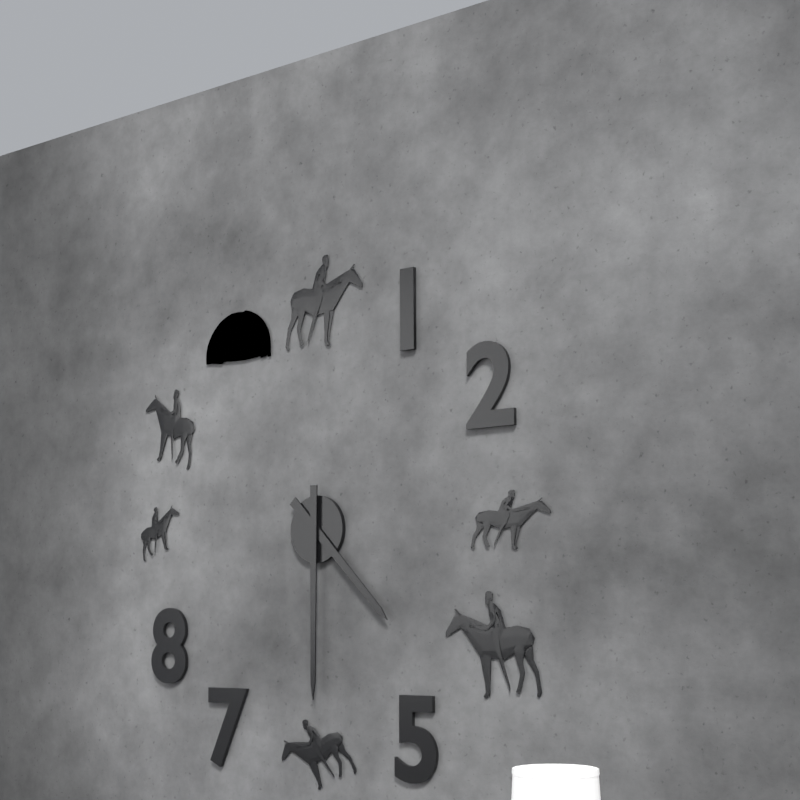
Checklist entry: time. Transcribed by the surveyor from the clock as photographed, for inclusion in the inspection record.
4:30
